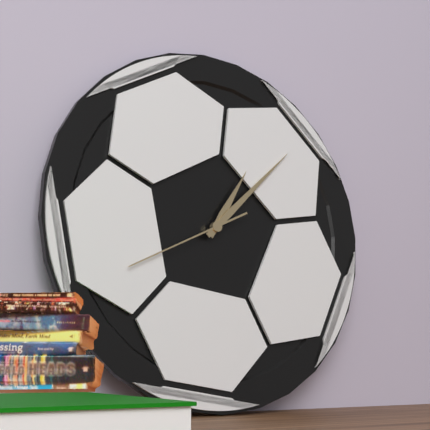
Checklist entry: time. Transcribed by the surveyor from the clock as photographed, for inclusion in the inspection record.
1:08:41
